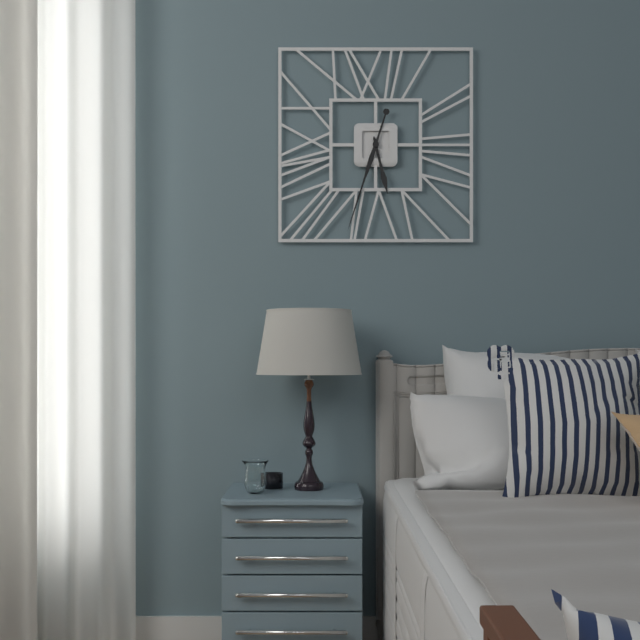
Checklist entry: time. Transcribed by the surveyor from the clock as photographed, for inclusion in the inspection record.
5:33
